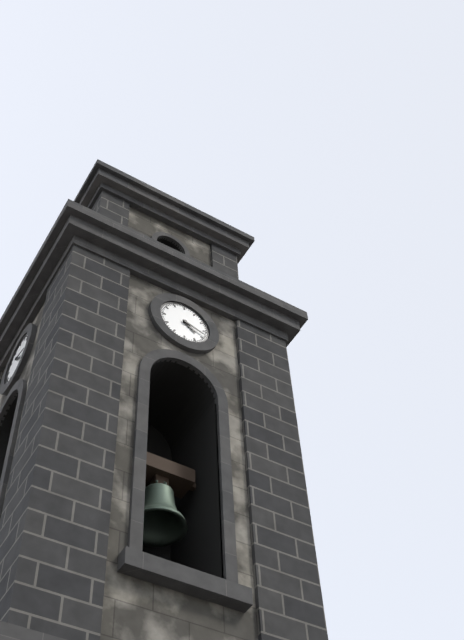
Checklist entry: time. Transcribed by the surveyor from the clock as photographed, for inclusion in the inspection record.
4:18
